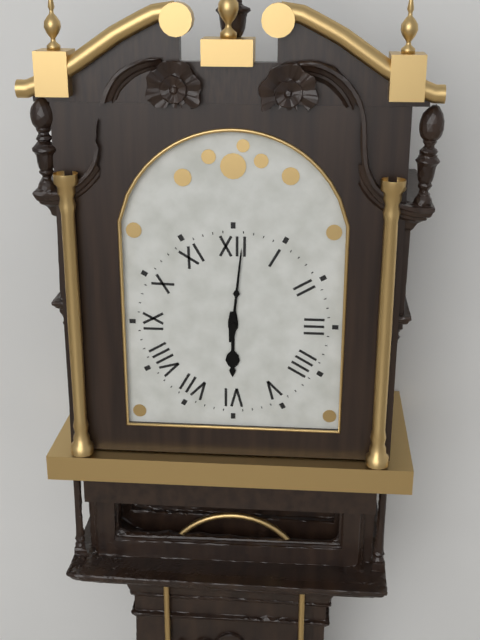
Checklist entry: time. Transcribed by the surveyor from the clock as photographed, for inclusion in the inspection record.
6:01
